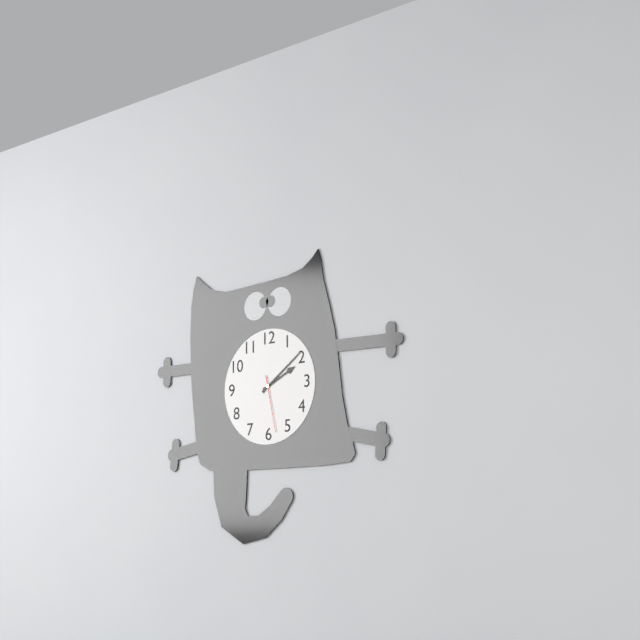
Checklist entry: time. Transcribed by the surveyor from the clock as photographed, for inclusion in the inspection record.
2:09:28
